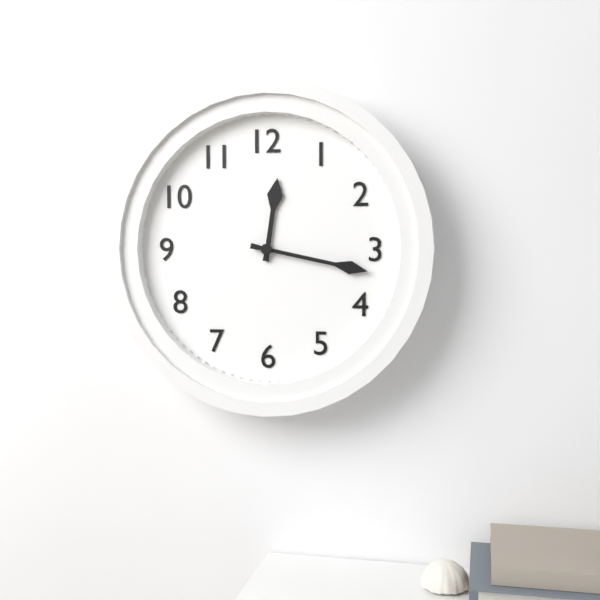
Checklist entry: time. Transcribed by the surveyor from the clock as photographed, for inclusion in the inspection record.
12:17
